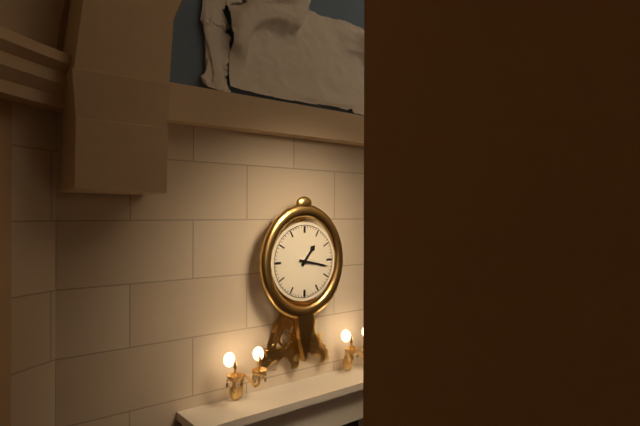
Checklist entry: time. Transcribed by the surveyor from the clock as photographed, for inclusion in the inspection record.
1:17
